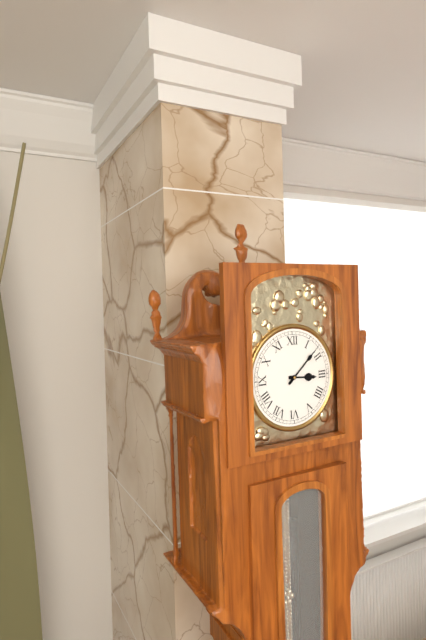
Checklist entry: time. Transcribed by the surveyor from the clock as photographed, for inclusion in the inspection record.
3:08
